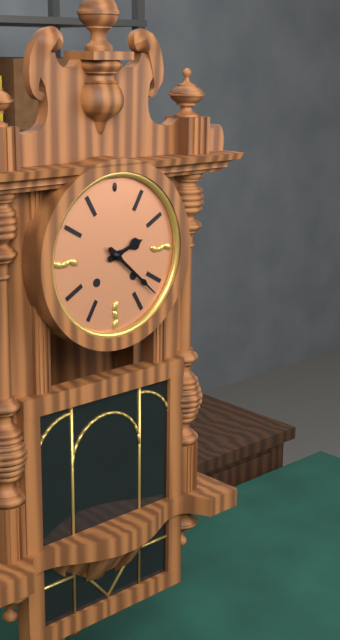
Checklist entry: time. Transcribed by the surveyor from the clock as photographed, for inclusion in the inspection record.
2:22
